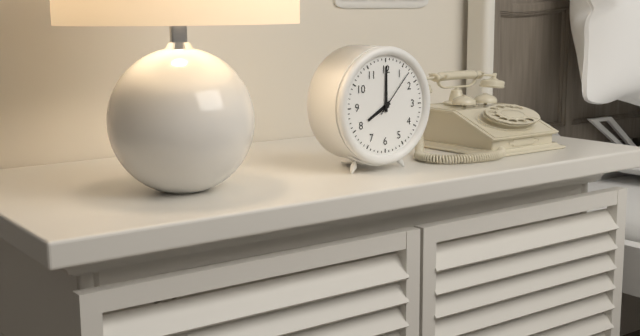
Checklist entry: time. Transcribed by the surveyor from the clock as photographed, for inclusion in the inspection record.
8:00:07
